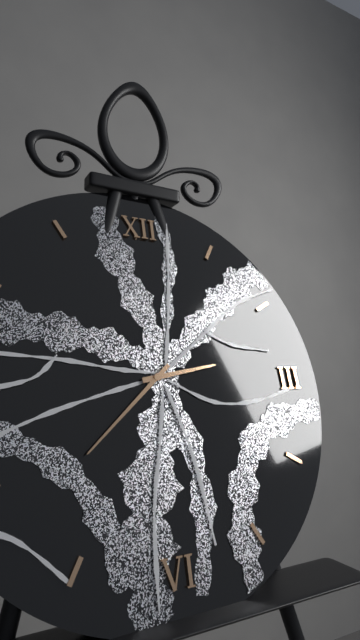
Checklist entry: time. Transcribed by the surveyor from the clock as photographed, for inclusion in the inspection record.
2:38
